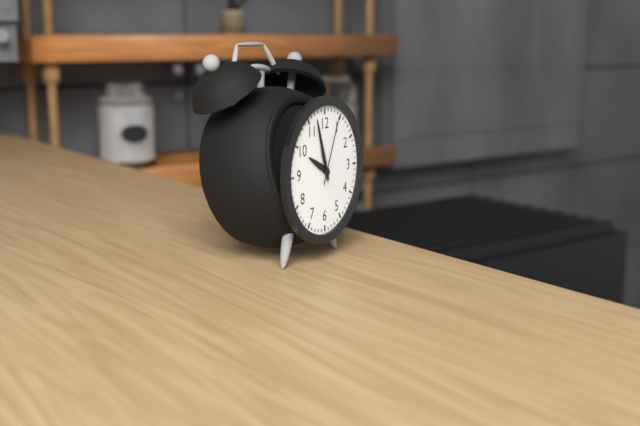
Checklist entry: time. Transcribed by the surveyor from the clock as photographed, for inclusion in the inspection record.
9:57:04
